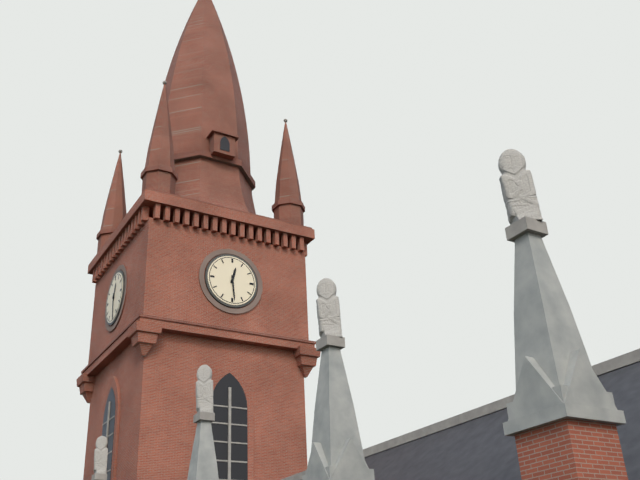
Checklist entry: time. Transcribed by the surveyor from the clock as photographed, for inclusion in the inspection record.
12:29
